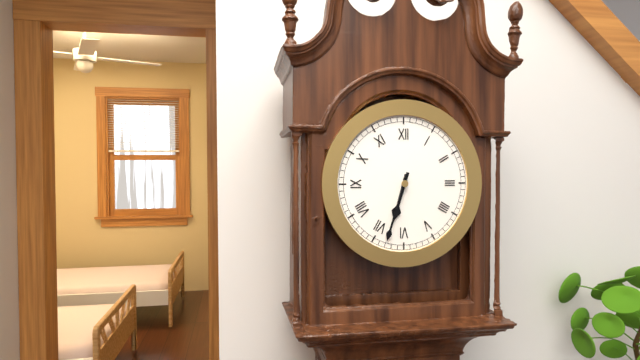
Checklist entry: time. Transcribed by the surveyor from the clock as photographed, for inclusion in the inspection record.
6:33
